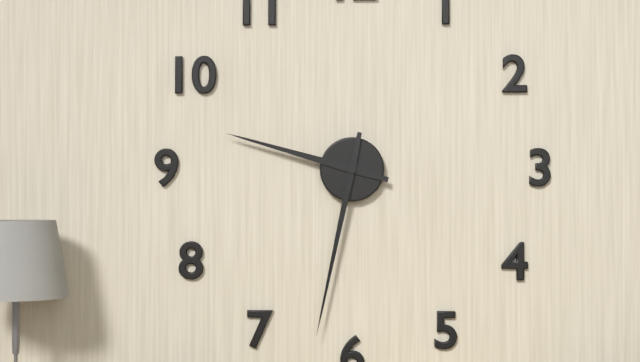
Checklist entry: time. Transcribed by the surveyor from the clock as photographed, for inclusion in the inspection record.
9:32
